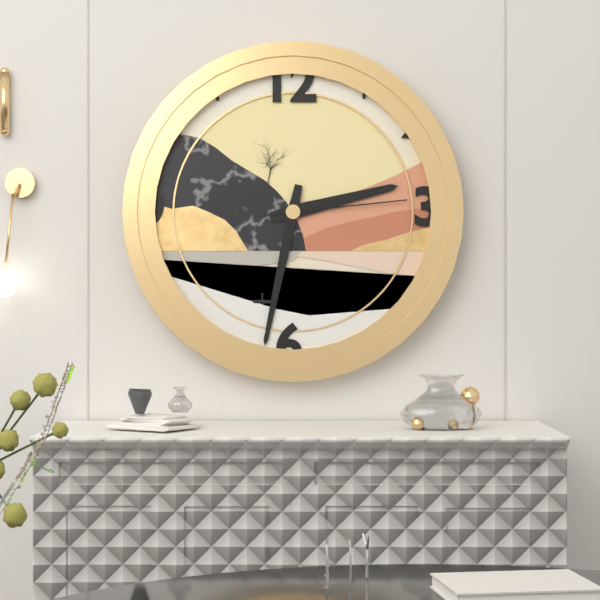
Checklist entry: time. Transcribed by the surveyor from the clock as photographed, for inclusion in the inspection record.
2:32:14
